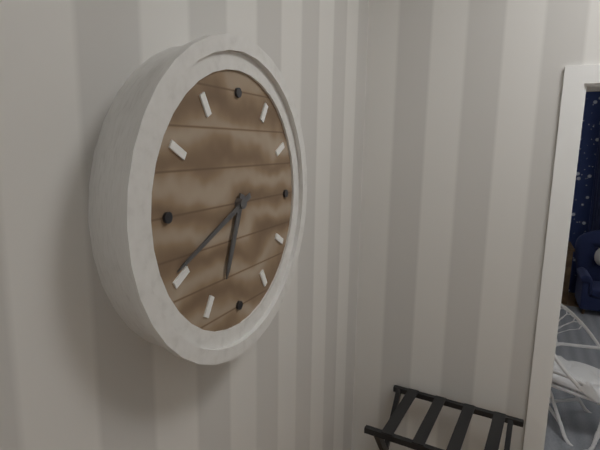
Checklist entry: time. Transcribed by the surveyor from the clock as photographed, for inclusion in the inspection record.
6:41
